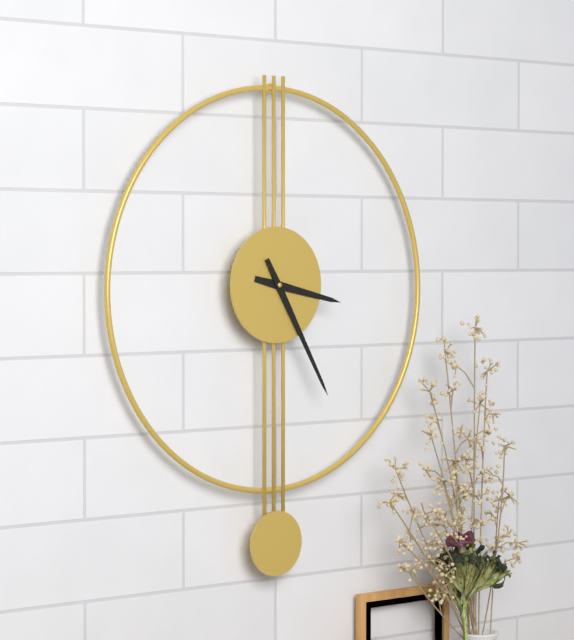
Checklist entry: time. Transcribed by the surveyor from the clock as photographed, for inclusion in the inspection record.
3:25
